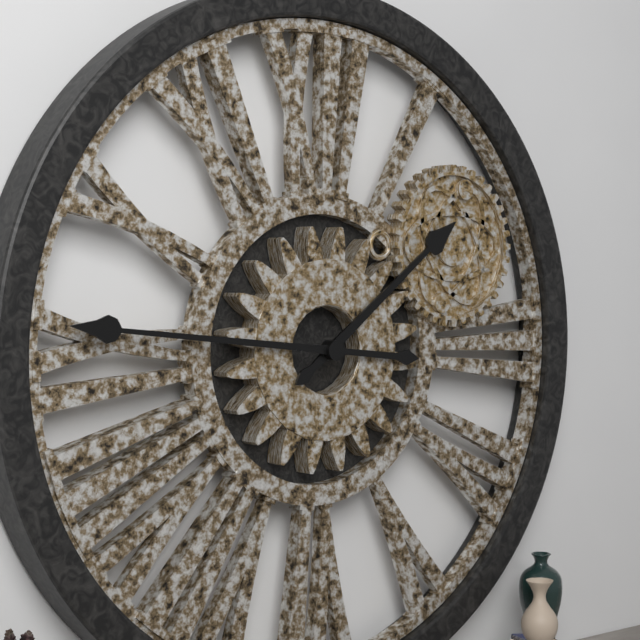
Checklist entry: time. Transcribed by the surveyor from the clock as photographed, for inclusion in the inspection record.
1:46
